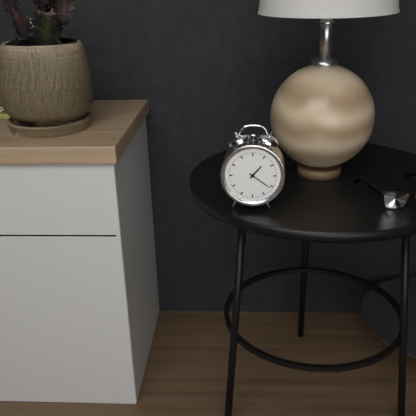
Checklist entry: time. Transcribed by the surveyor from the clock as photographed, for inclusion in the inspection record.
1:21
